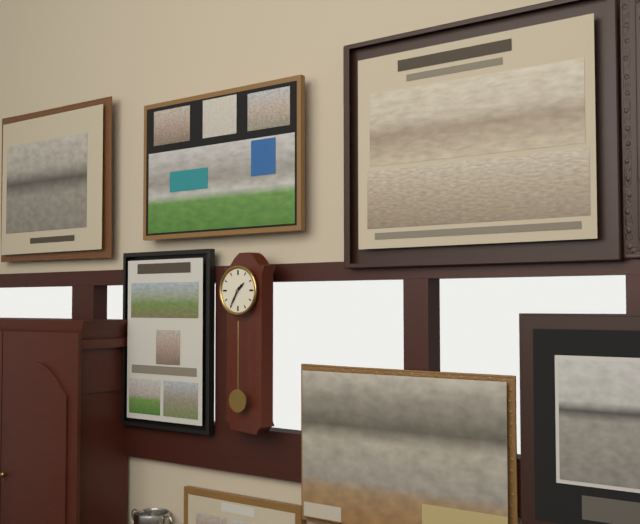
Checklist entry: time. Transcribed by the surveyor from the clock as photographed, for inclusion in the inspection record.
1:35
